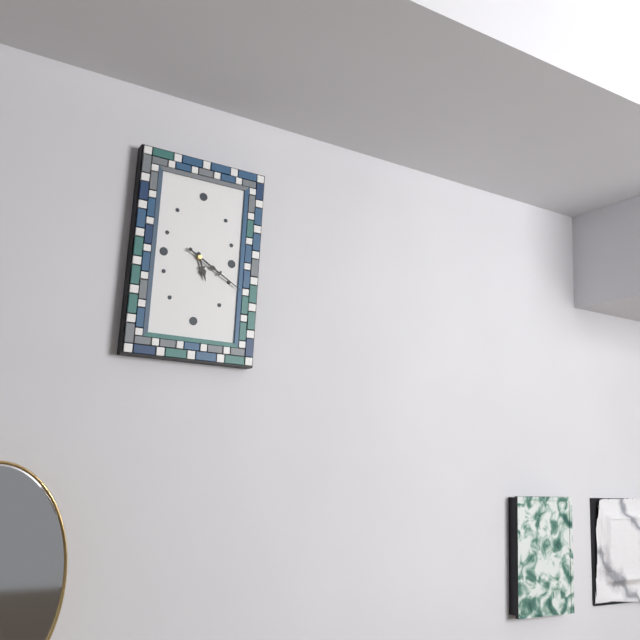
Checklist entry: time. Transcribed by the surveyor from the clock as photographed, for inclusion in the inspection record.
5:20
